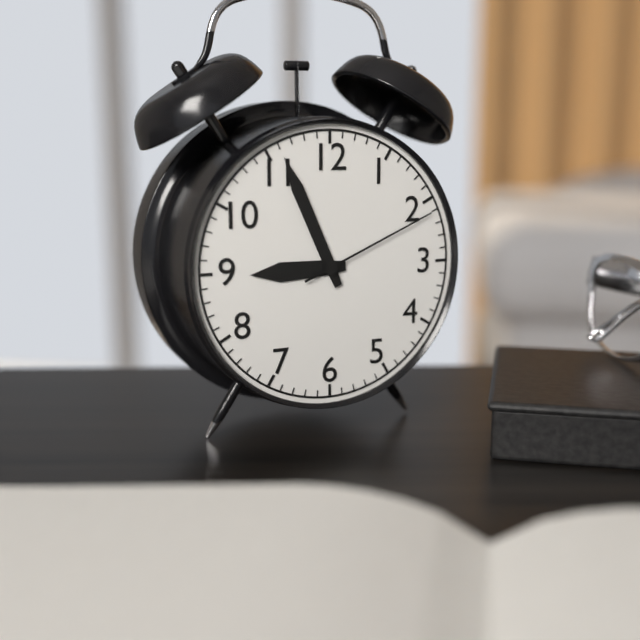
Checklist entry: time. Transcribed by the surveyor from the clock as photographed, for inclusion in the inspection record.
8:56:11
